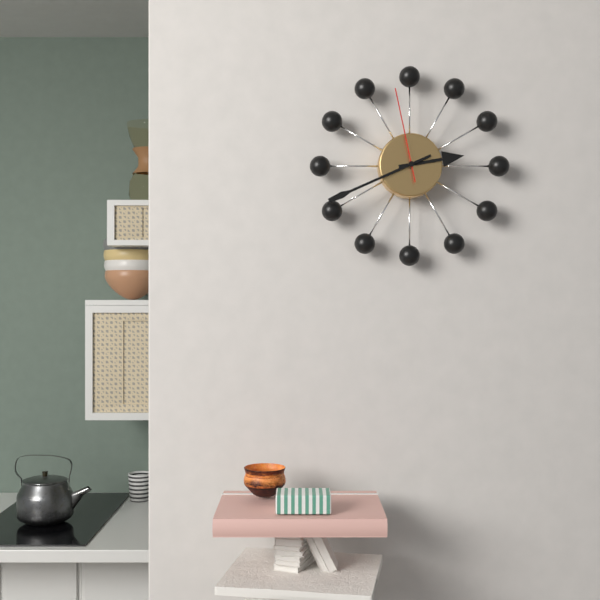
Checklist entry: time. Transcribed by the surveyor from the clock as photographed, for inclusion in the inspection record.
2:41:58
